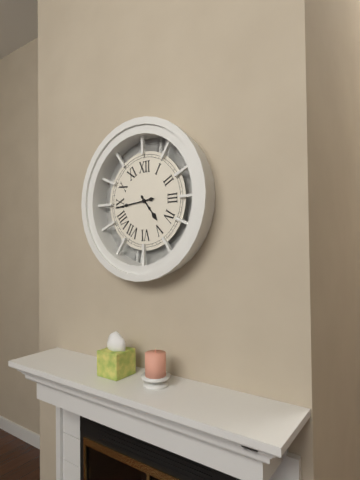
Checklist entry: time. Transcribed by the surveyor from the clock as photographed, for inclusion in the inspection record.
4:44
